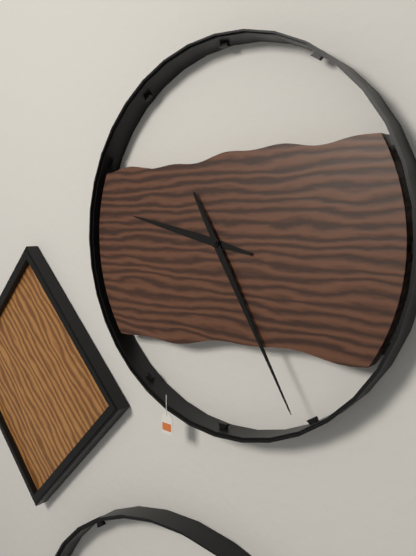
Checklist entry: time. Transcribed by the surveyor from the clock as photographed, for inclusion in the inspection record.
9:25
